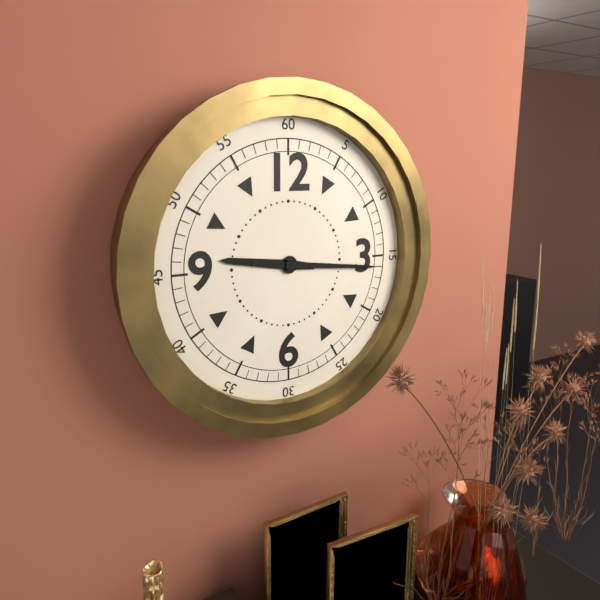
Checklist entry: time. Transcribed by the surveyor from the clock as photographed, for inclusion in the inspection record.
9:16
